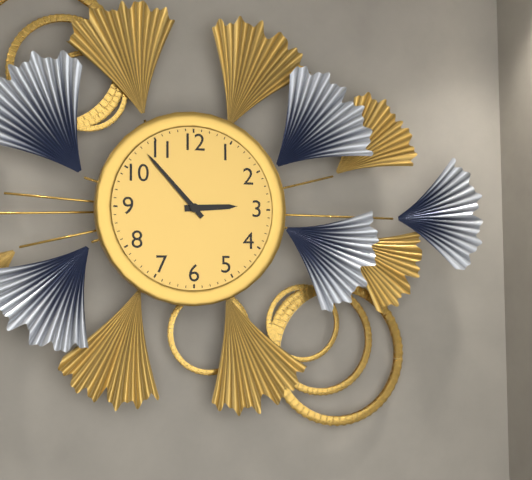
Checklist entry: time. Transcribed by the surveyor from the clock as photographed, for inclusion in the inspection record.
2:53
